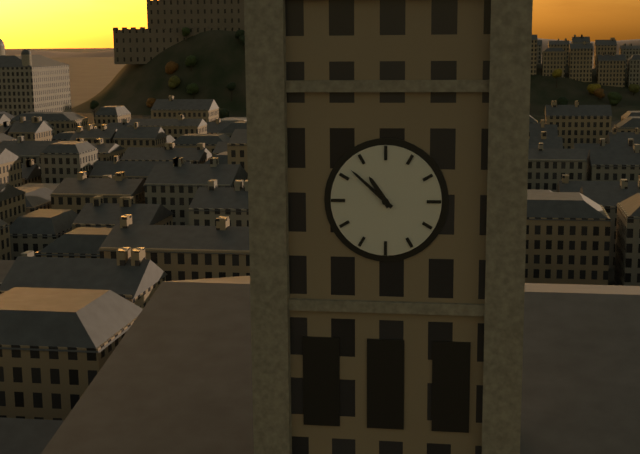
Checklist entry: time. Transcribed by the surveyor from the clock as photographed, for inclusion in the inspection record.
10:52
